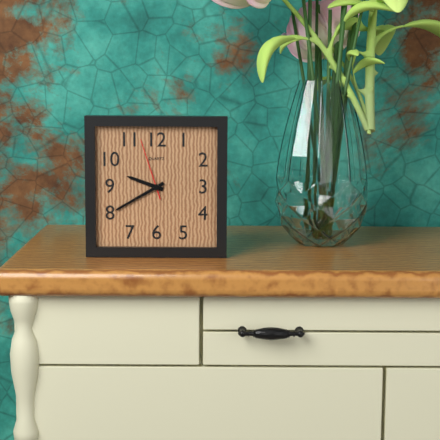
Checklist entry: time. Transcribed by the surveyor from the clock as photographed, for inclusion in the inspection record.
9:40:57
